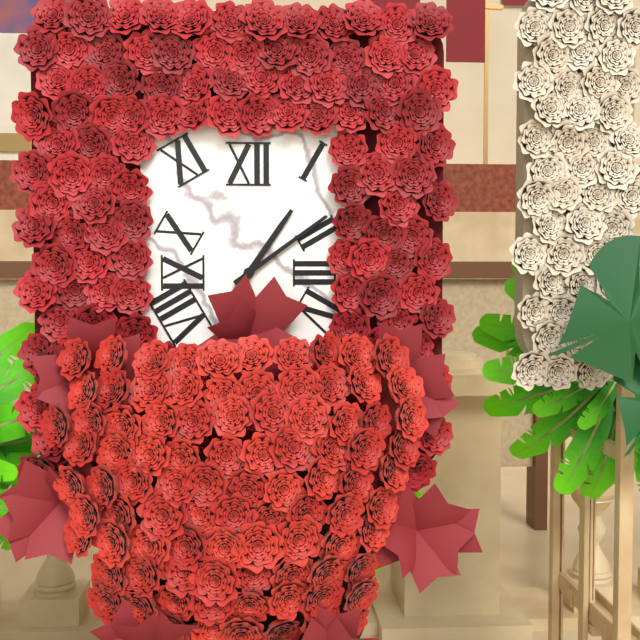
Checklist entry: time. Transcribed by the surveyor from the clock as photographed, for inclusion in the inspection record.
1:09
